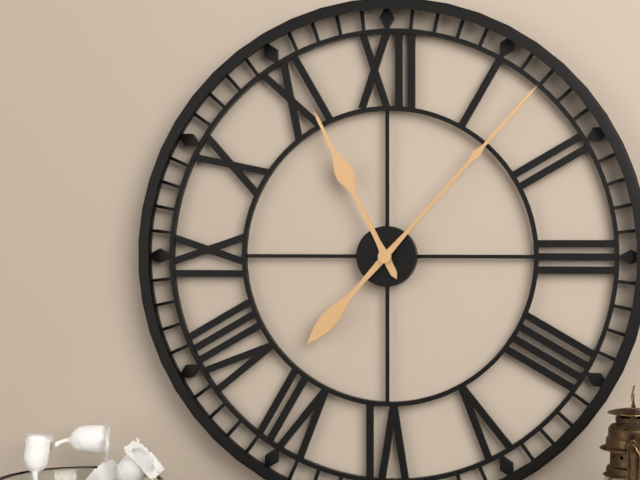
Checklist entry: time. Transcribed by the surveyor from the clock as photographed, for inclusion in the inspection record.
11:07
